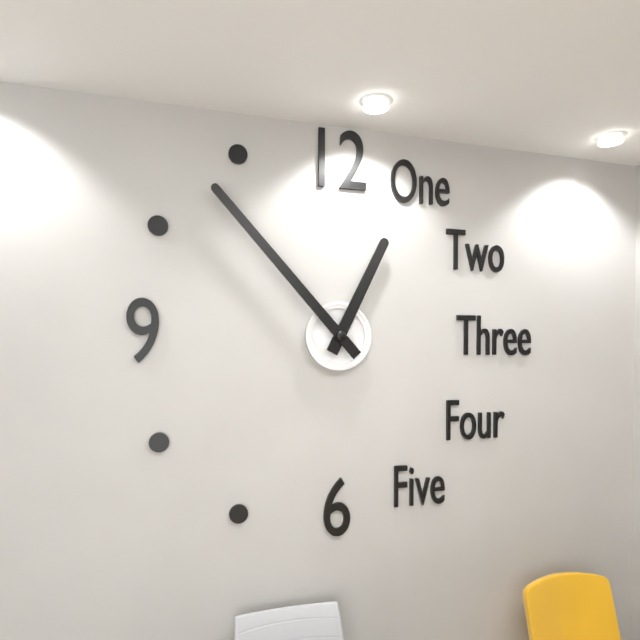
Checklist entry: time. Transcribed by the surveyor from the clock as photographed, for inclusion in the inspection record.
12:53
